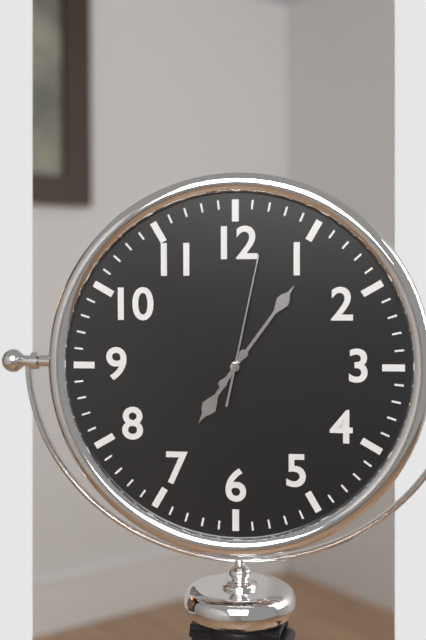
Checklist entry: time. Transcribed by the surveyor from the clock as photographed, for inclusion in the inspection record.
7:06:02
